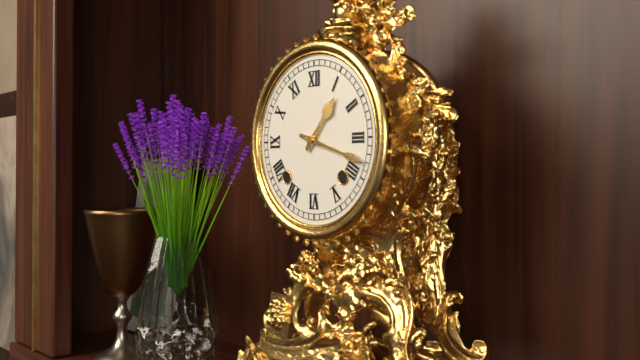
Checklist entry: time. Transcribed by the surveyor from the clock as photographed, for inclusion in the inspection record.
1:18
